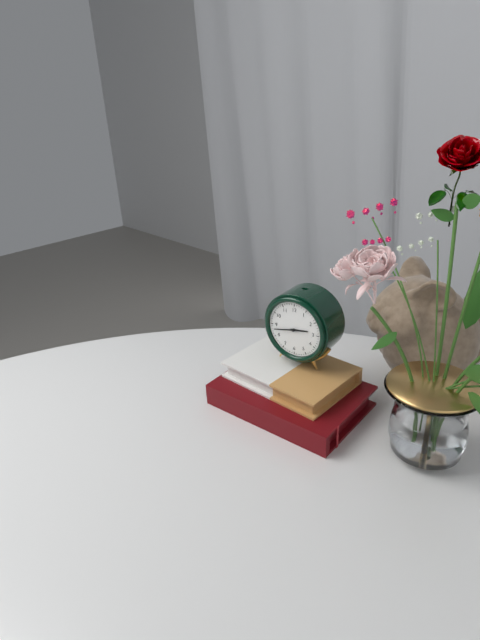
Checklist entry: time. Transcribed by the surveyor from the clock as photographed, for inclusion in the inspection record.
2:43
